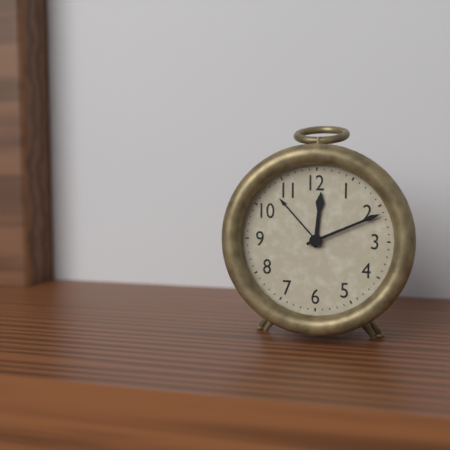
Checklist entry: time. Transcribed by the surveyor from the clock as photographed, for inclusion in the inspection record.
12:11
